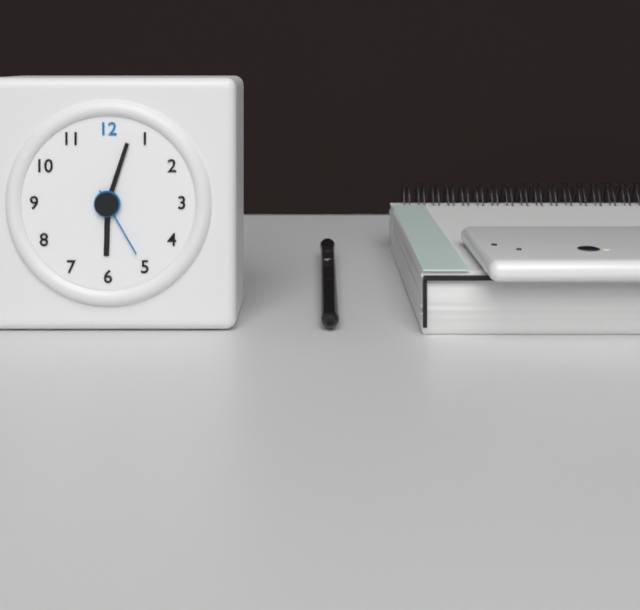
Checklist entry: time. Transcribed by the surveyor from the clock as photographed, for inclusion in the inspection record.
6:03:25
